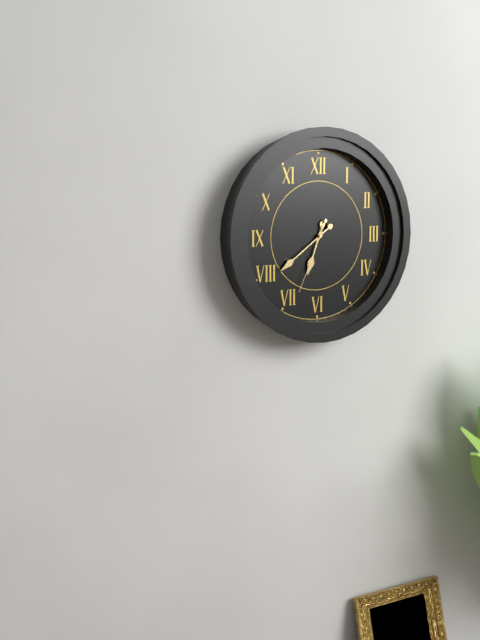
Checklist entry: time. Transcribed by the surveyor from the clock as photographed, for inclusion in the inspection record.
6:39:34
